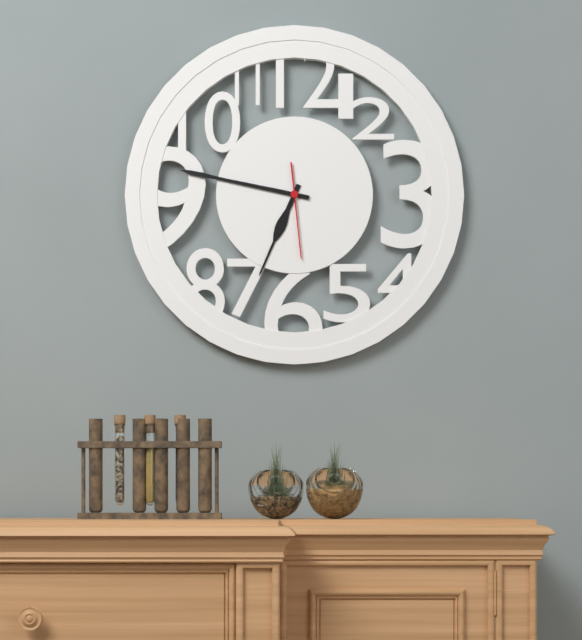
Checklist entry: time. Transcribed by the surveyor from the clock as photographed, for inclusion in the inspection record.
6:47:29
